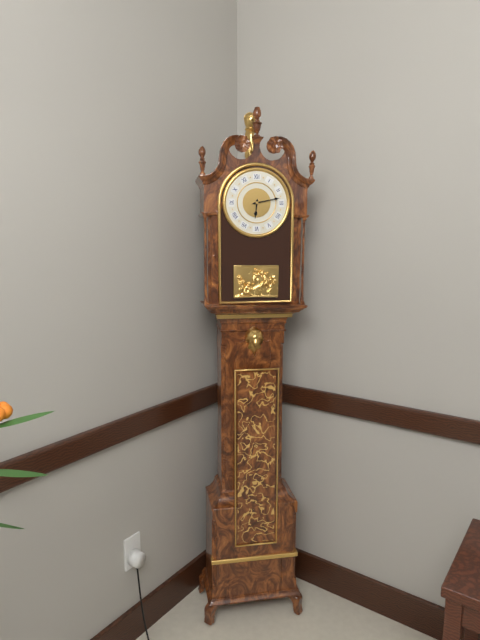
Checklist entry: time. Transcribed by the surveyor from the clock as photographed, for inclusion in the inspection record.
6:13
